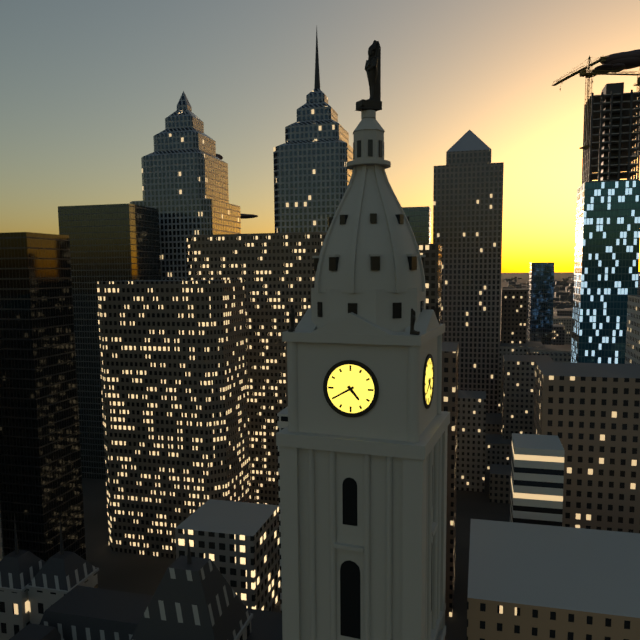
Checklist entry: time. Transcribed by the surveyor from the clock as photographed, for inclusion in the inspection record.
4:40
